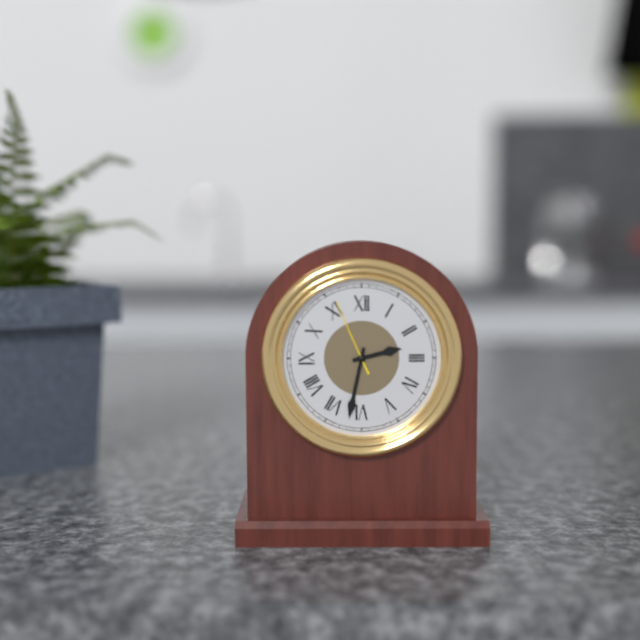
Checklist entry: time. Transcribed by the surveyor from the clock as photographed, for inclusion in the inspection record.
2:32:56
